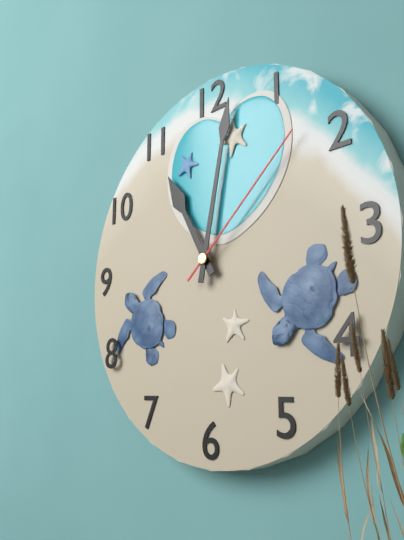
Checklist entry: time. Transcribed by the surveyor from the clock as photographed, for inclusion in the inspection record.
11:02:08
